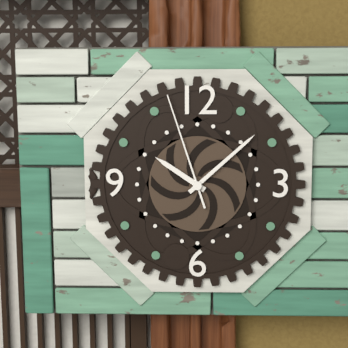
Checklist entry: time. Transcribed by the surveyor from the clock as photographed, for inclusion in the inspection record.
10:08:57
